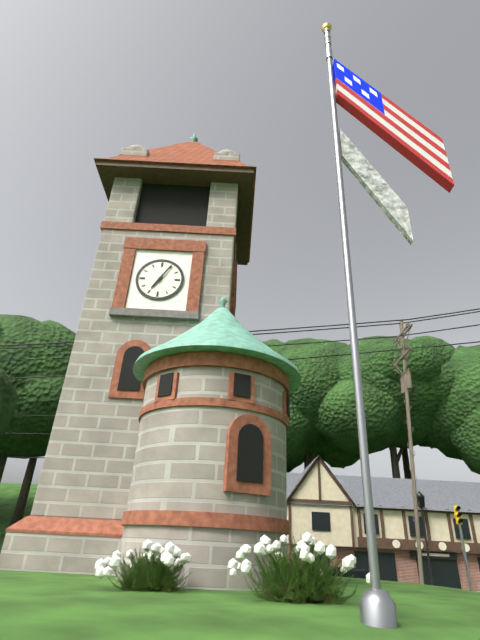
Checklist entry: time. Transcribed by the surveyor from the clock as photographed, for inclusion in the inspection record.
7:05
